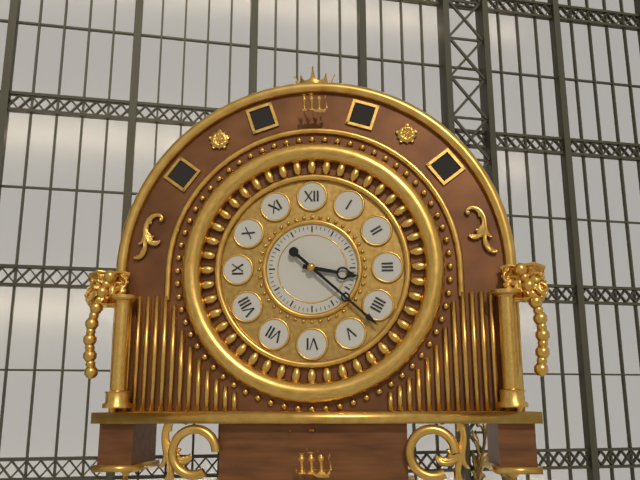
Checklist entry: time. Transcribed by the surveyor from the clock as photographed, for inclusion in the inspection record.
3:22
